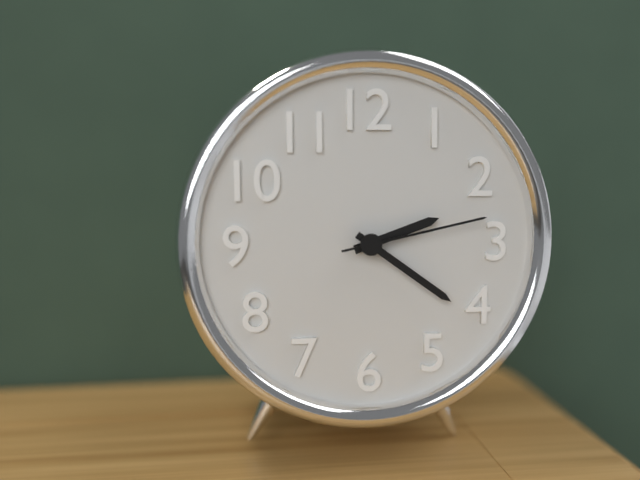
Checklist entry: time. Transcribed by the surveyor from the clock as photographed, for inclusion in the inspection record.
2:21:13
